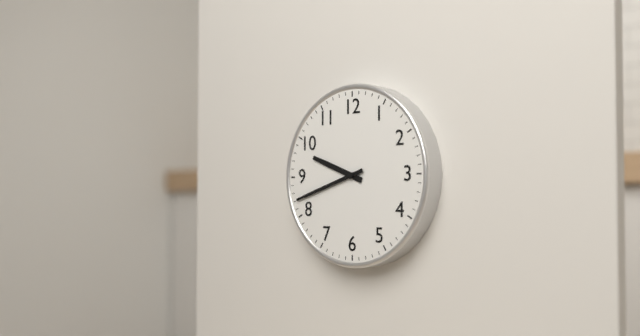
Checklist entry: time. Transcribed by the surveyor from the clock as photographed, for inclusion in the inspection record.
9:42
